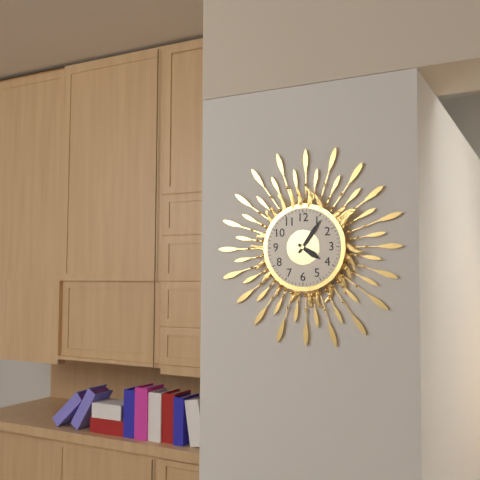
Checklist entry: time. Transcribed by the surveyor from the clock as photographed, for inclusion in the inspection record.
4:06
